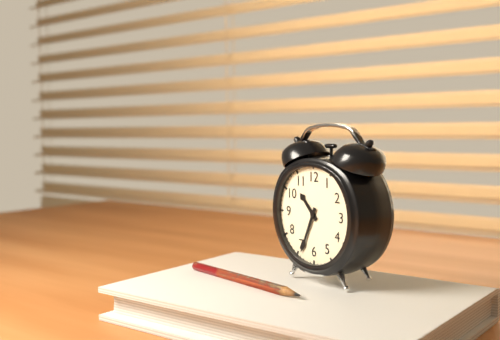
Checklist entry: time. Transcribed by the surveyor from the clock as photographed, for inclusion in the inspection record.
10:34
